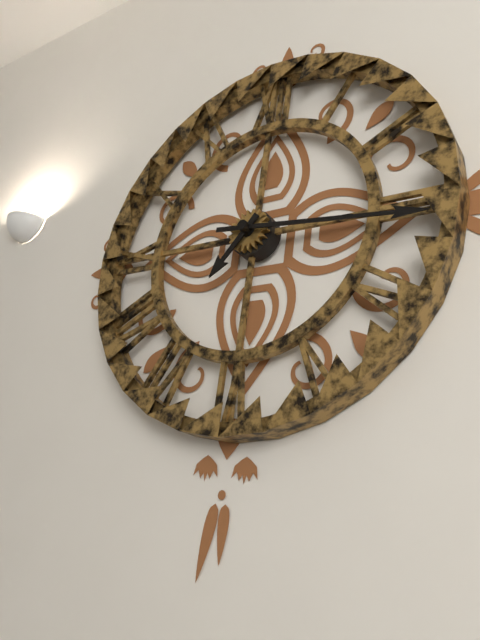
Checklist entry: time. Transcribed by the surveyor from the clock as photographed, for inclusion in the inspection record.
7:16
